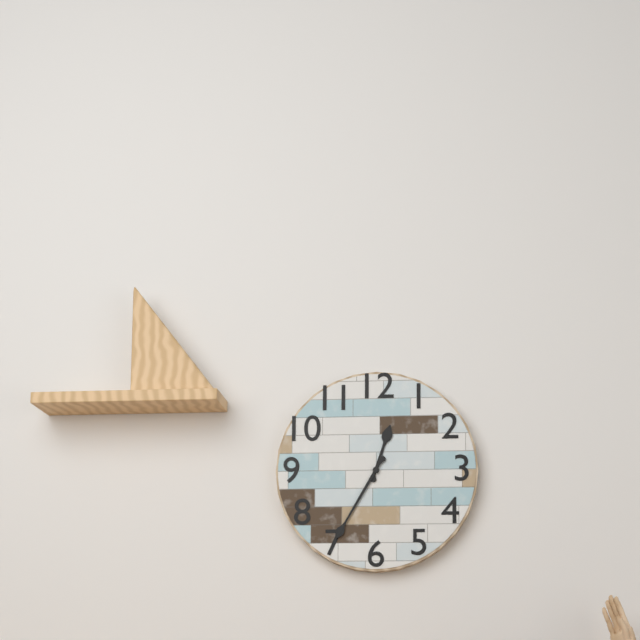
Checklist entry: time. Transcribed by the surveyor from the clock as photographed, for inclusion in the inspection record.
12:35
